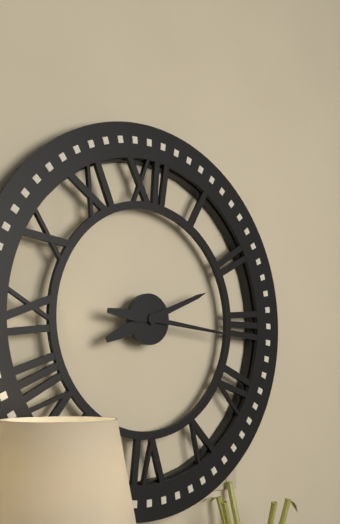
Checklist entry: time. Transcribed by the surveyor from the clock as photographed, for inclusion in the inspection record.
2:16
